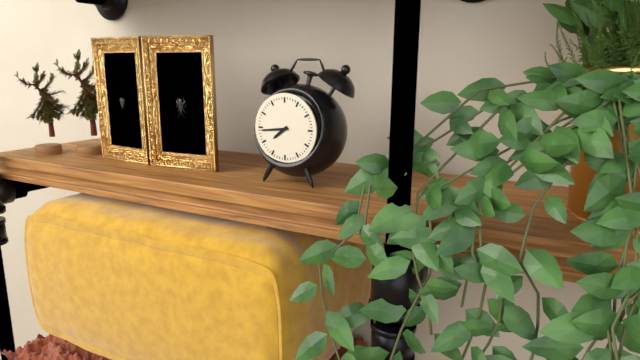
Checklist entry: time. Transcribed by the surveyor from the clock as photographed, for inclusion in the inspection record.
7:44
